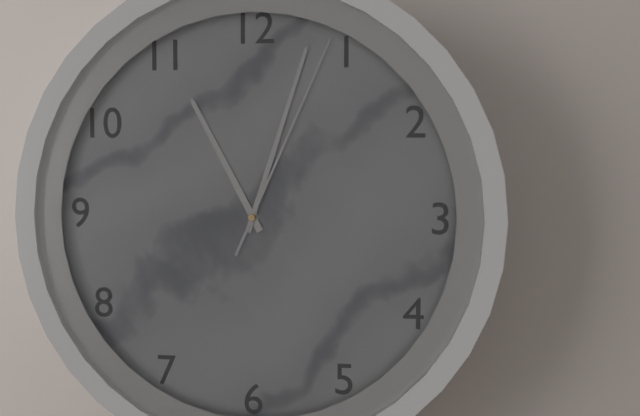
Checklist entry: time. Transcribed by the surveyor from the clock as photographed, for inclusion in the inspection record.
11:03:04
